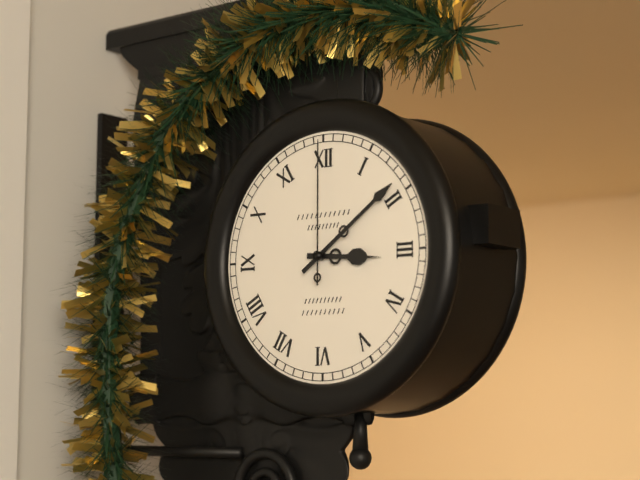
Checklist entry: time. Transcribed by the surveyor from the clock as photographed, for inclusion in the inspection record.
3:09:00
